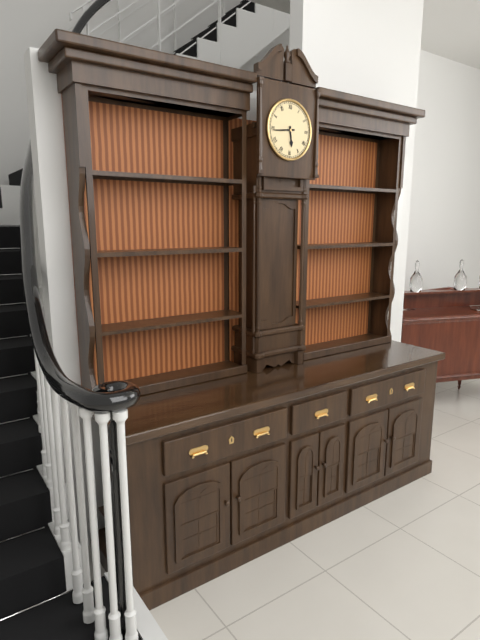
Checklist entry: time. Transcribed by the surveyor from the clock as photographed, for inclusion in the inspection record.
5:44
